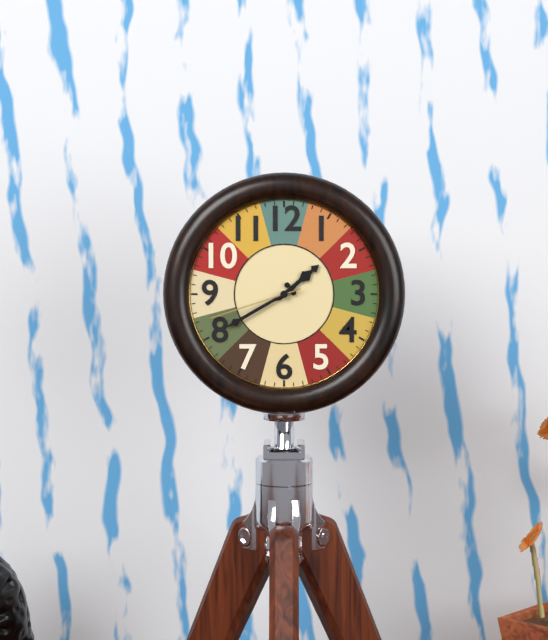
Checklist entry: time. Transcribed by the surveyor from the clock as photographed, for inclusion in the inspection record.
1:40:42
